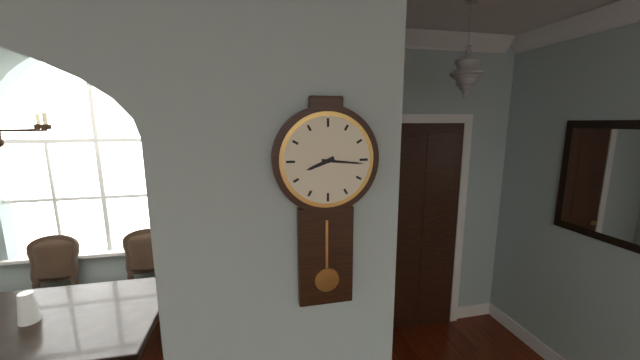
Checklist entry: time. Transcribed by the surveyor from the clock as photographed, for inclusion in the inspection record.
8:16
